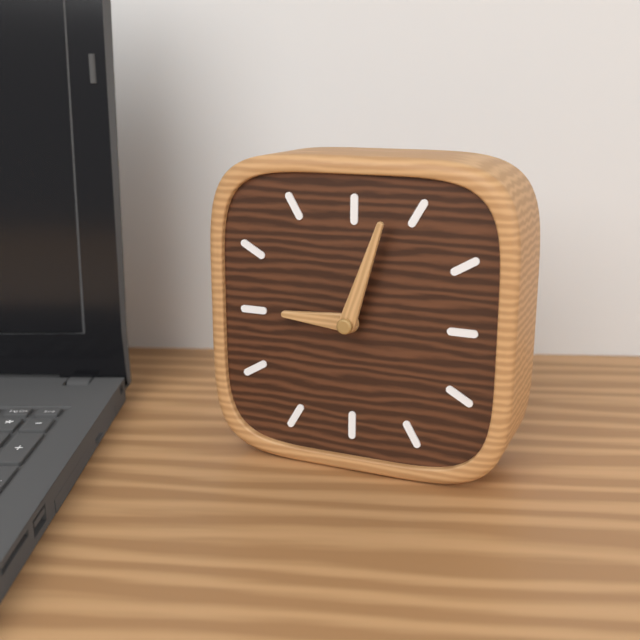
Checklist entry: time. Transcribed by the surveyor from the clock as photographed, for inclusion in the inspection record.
9:03
